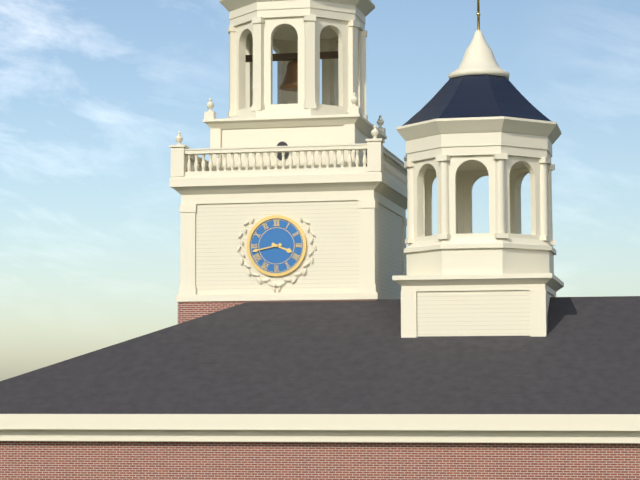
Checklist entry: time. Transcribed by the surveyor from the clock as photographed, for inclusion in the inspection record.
3:43
